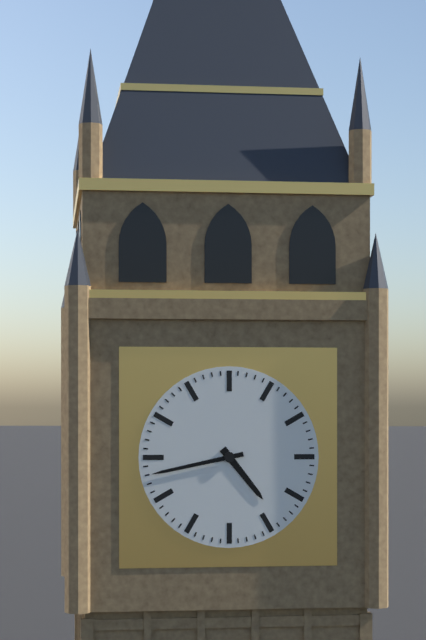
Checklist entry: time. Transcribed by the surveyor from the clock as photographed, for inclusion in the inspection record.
4:43
